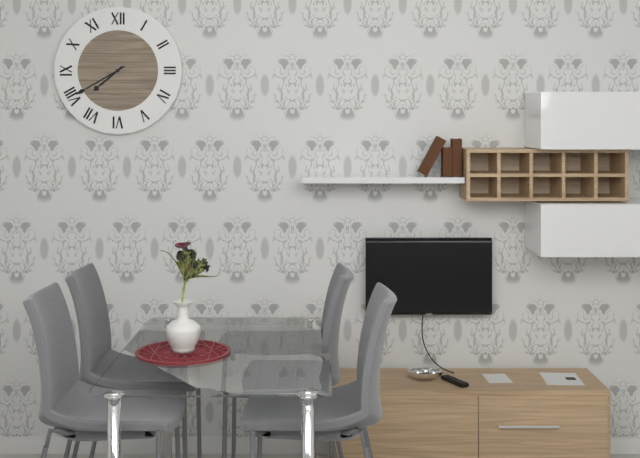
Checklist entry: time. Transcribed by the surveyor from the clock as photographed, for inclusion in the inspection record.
7:40
